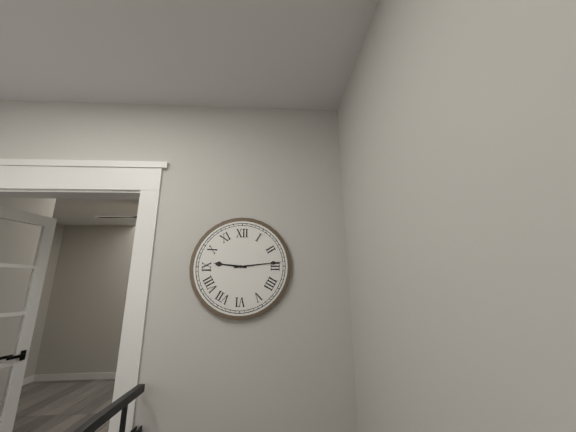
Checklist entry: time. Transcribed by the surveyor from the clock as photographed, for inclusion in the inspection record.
9:14
